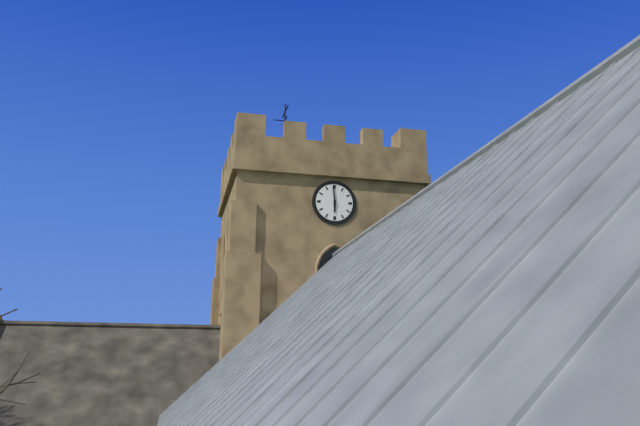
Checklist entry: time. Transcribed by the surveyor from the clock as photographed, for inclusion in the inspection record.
5:59
